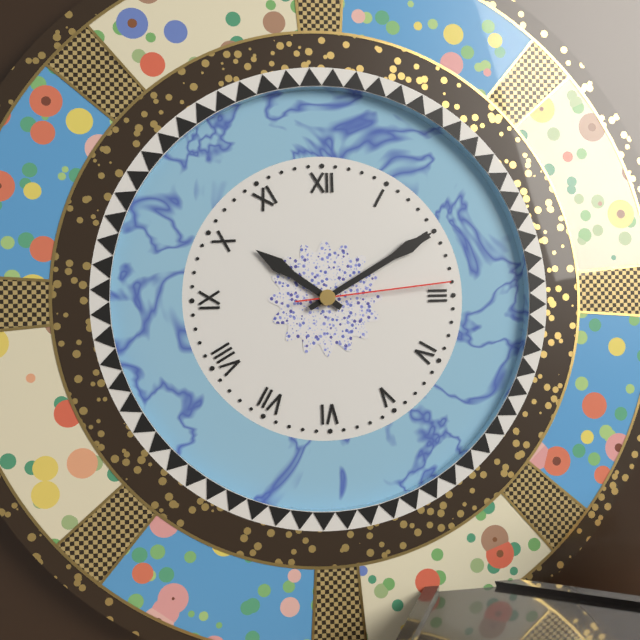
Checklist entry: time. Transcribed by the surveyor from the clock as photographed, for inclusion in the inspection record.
10:10:14
